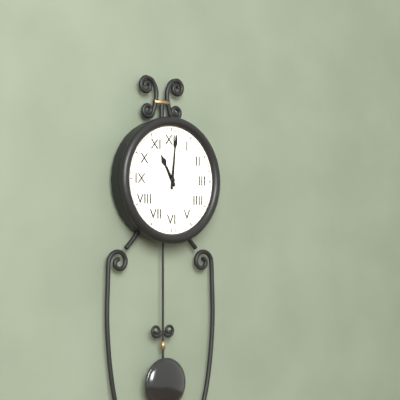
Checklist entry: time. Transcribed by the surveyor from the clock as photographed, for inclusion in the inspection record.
11:01
